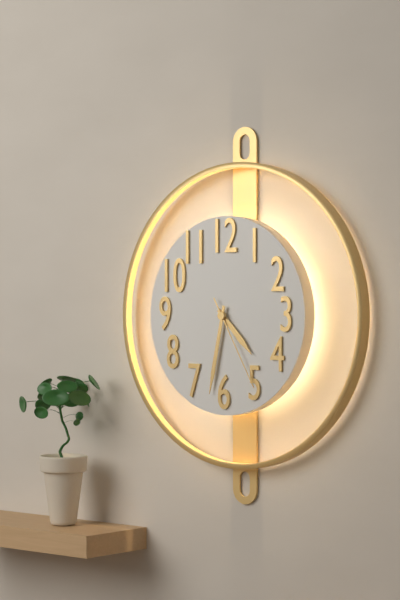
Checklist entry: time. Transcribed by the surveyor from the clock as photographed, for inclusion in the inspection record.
4:32:25
